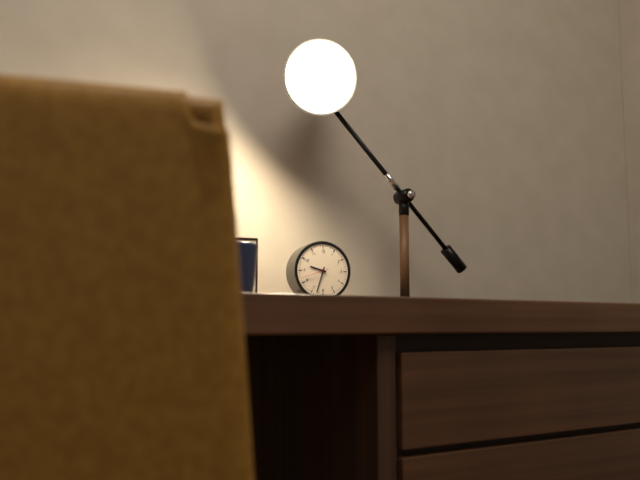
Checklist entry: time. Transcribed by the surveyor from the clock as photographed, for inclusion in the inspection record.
9:33
